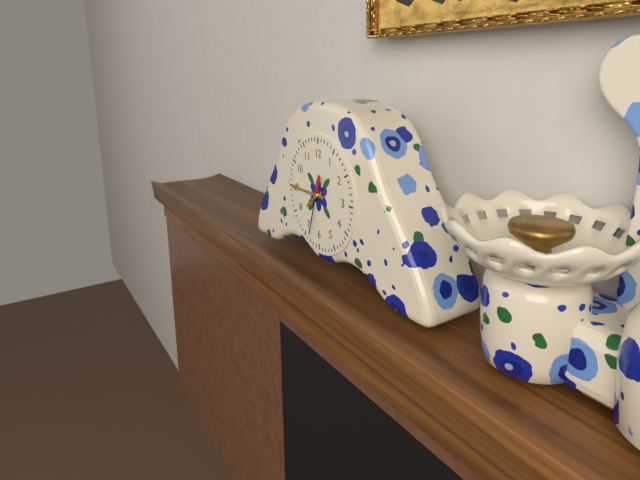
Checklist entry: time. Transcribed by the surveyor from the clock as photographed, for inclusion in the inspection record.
7:45:33
